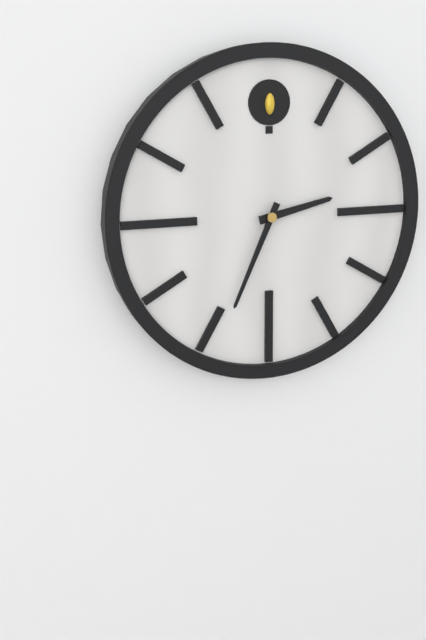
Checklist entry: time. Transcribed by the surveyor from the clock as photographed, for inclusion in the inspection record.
2:34
